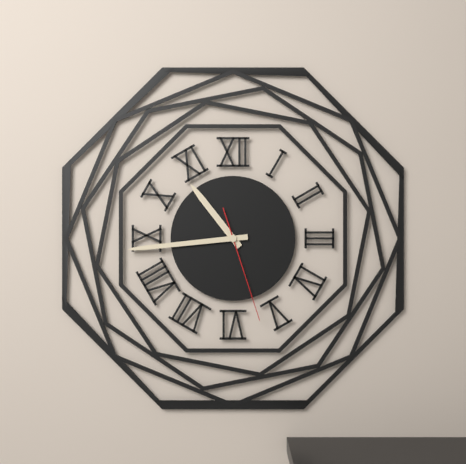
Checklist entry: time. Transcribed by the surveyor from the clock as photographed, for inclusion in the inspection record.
10:44:27
